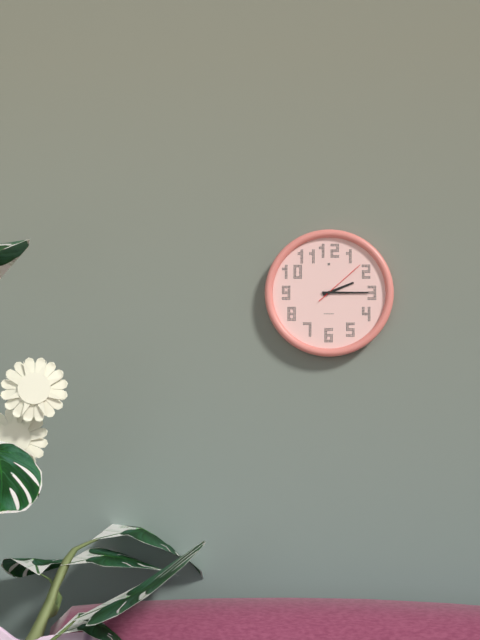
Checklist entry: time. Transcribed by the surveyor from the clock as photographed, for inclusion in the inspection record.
2:15:08
